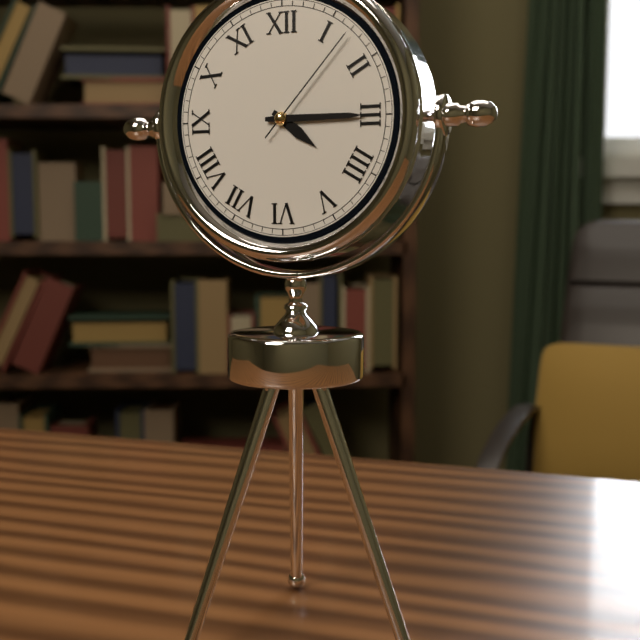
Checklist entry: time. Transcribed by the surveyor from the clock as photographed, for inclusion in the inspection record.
4:15:07
